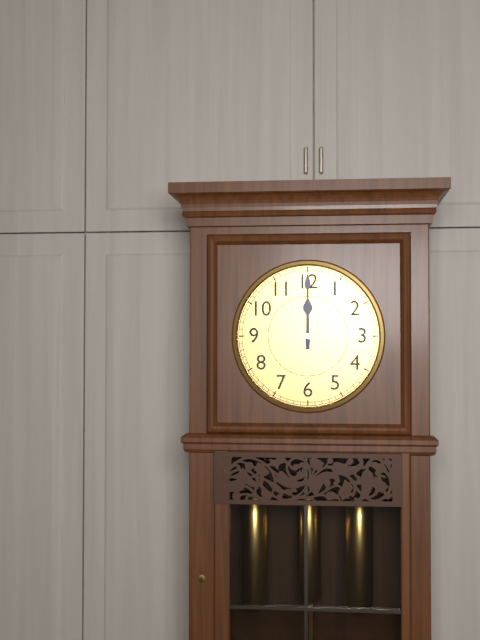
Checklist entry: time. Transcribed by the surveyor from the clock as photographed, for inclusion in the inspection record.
12:00
